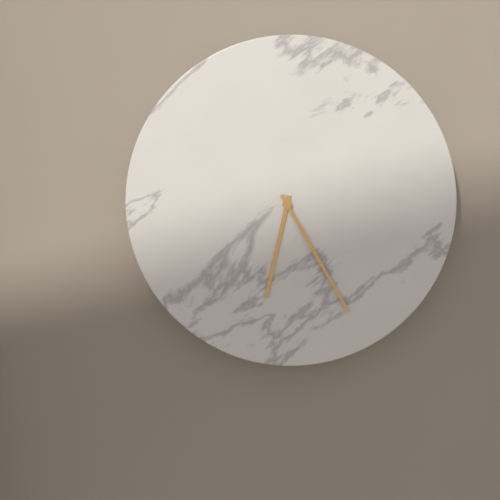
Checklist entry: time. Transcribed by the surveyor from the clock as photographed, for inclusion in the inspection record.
6:25
